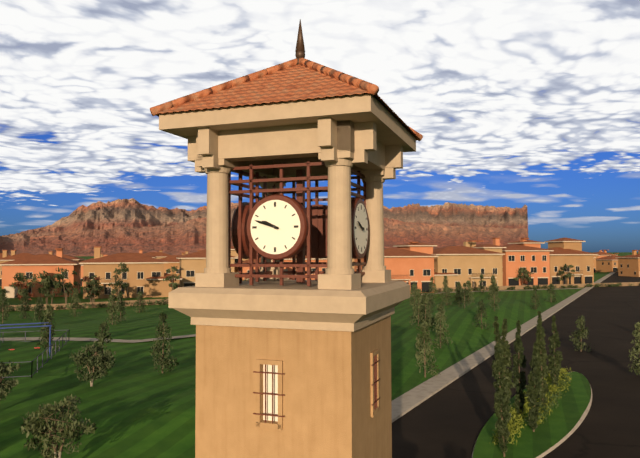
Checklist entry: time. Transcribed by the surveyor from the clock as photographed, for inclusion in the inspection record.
9:48
